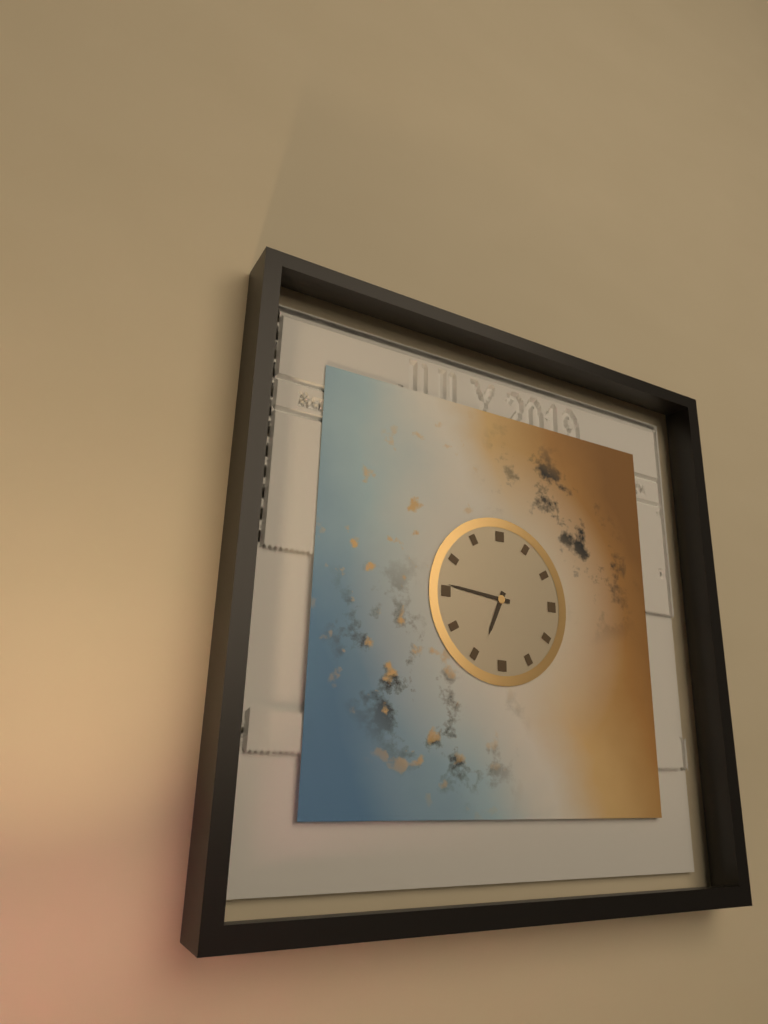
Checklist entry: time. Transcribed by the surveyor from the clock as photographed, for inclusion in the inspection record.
6:46
